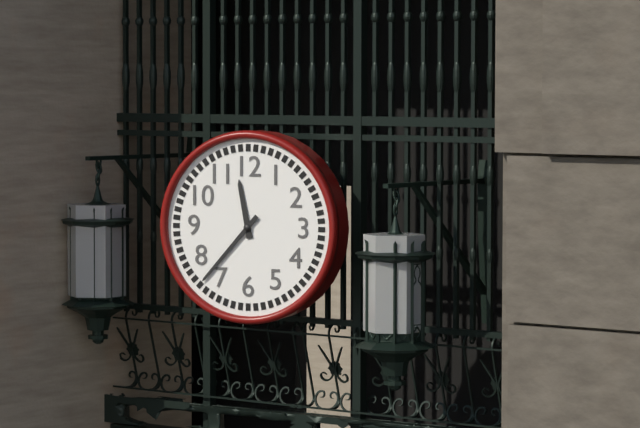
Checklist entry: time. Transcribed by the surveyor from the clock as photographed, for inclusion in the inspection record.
11:37
